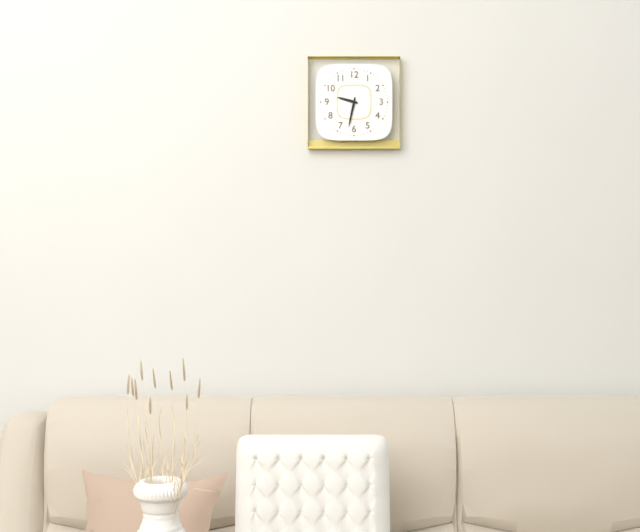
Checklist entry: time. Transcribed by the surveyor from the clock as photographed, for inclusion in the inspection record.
9:32
